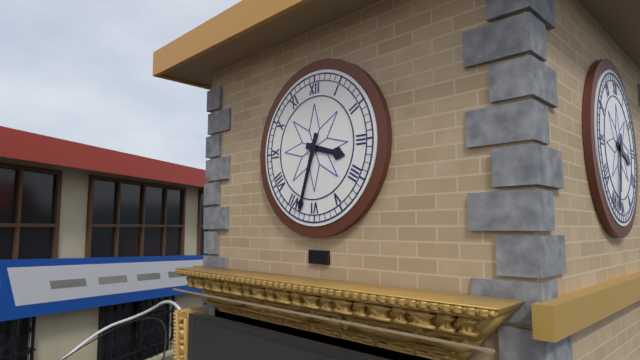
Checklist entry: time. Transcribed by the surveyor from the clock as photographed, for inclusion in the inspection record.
3:33
